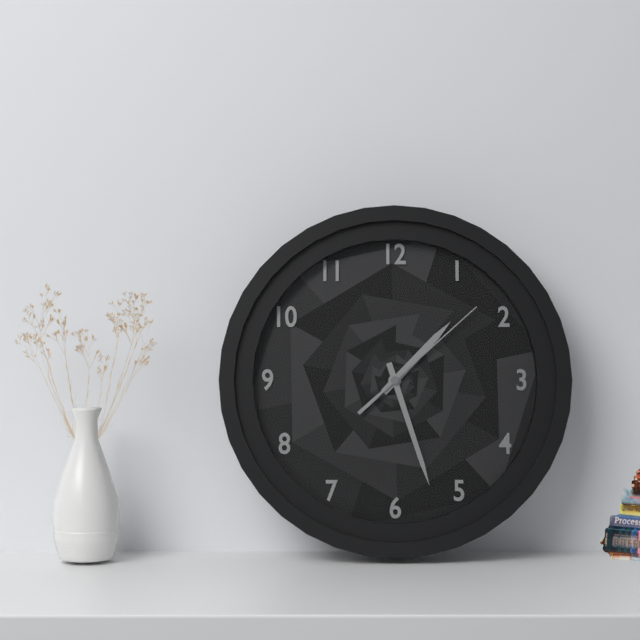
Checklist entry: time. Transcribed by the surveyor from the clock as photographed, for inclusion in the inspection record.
1:27:08
